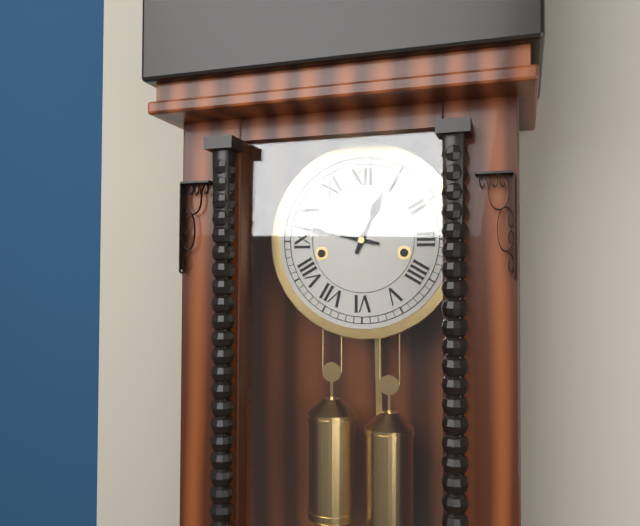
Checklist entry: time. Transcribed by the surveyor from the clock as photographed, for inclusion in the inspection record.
12:47
